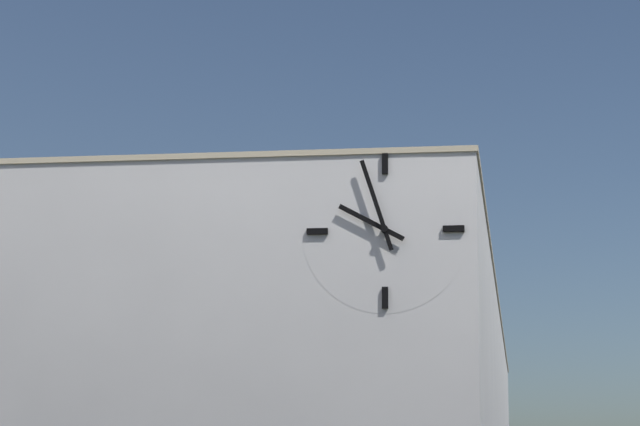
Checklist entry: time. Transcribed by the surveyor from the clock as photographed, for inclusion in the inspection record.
9:57
